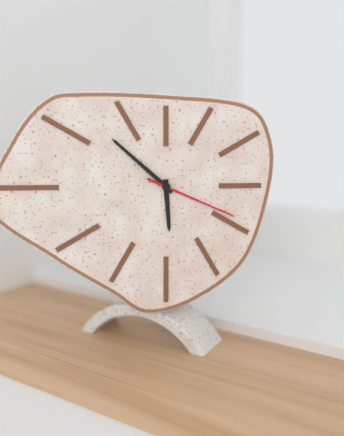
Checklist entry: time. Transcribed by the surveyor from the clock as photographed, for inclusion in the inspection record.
5:52:19
